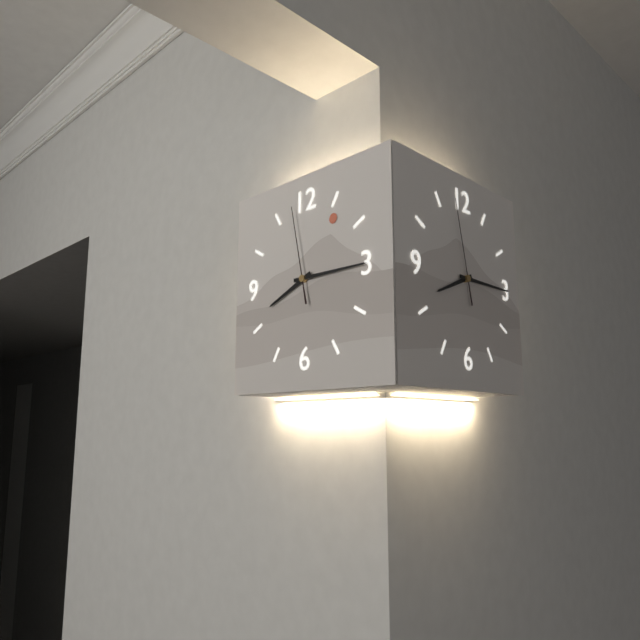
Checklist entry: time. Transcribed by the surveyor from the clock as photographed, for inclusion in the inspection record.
8:15:58
